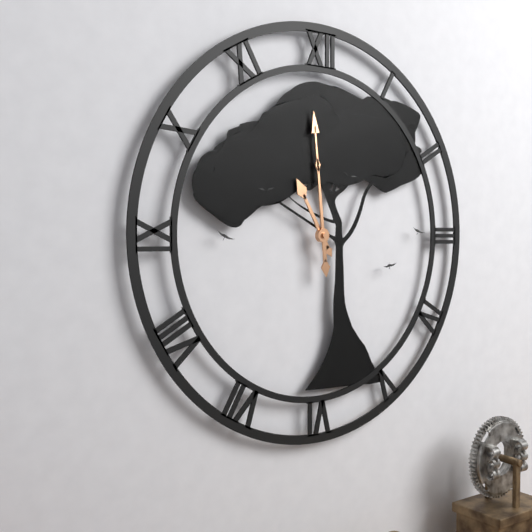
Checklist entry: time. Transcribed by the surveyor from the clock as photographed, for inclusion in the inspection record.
10:59
